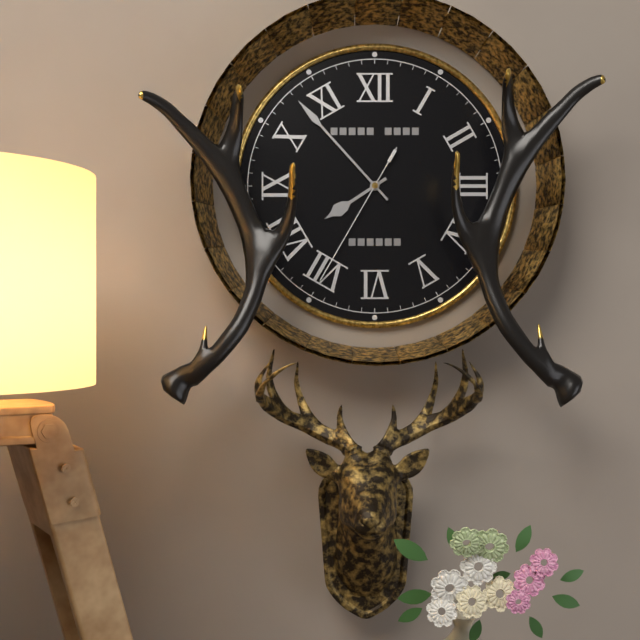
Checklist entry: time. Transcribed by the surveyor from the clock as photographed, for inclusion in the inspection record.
7:53:35
